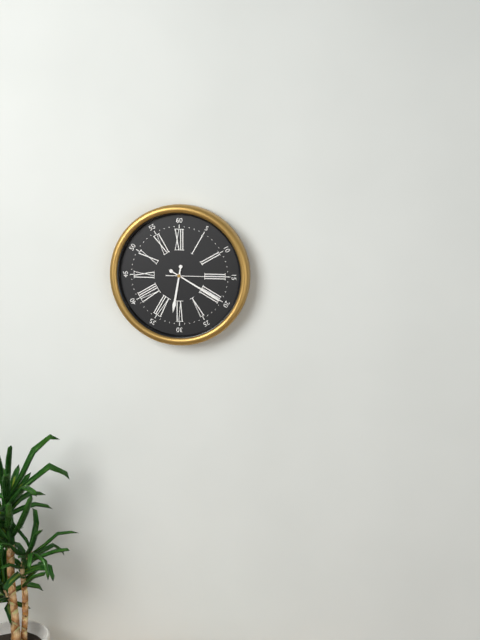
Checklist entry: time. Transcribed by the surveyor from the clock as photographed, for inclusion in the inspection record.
6:20:15
